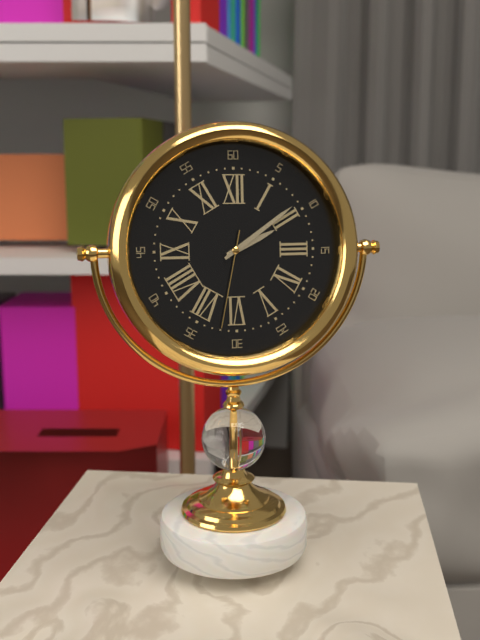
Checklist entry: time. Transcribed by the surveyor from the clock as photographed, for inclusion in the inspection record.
2:09:32
